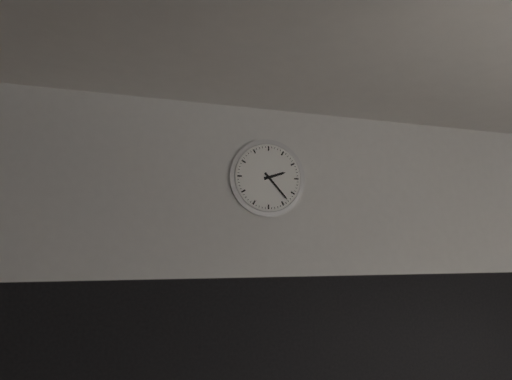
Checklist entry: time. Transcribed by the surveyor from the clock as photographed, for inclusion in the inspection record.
2:23
